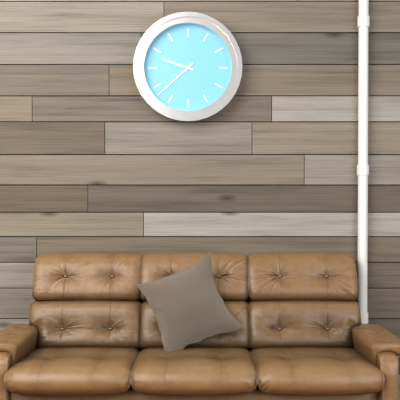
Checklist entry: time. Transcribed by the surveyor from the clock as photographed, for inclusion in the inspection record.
9:38
